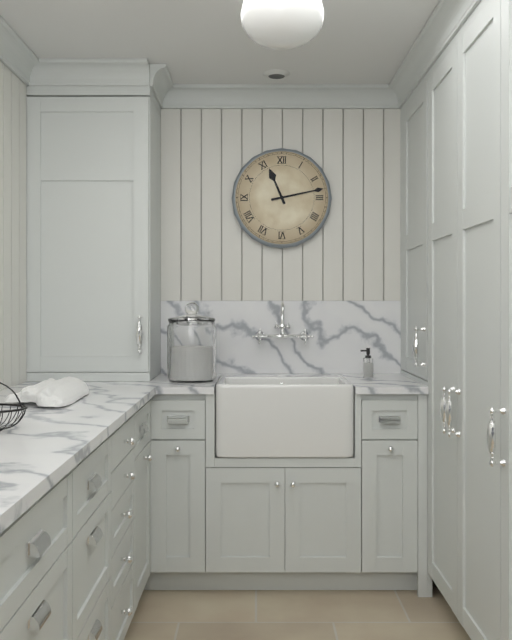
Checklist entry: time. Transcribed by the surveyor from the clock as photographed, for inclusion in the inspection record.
11:13
